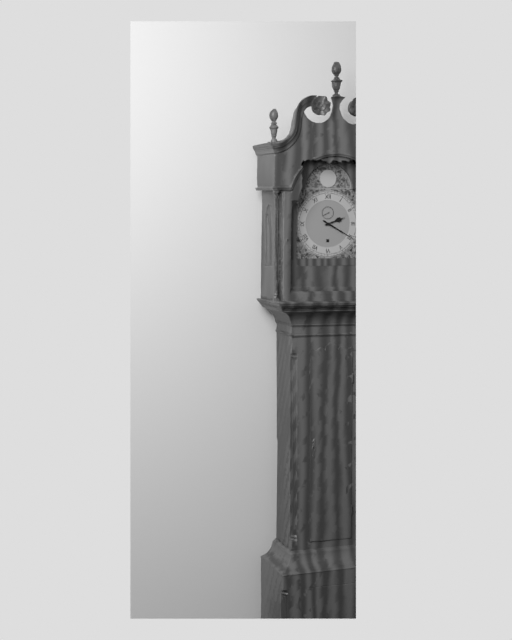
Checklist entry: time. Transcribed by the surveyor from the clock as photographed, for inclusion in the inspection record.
2:20
